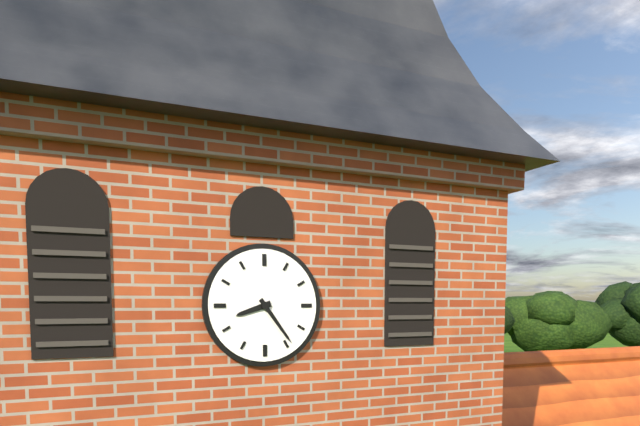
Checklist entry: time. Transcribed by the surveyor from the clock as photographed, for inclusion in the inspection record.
8:24
